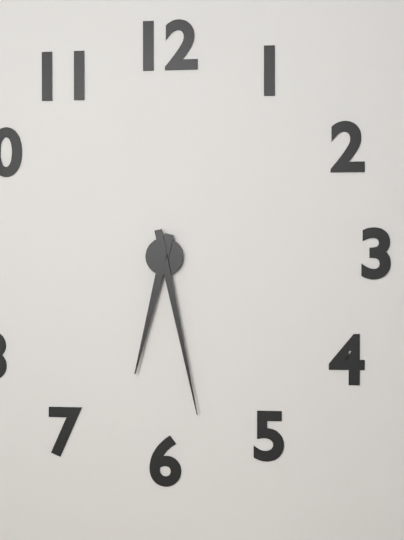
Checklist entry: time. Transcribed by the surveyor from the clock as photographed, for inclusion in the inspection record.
6:28
